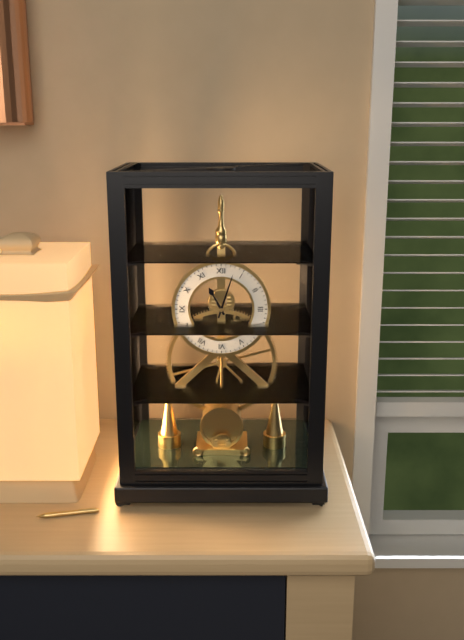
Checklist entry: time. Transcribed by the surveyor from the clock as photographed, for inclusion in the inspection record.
11:03
